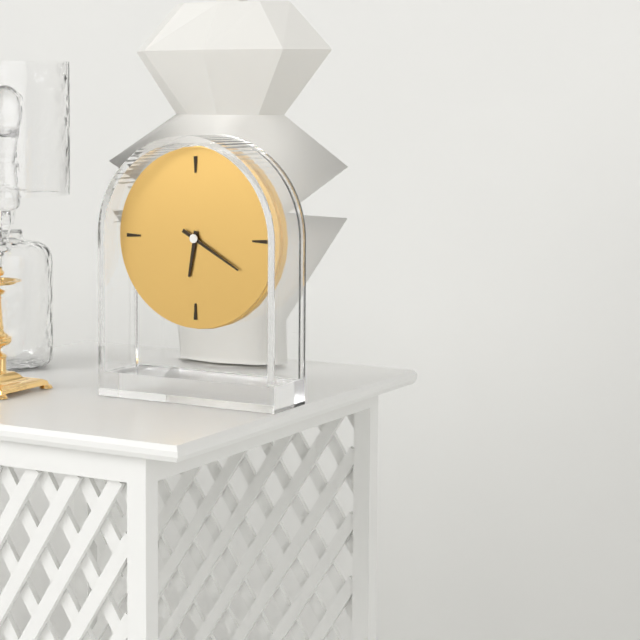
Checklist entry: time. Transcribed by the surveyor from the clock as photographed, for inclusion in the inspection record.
6:20
